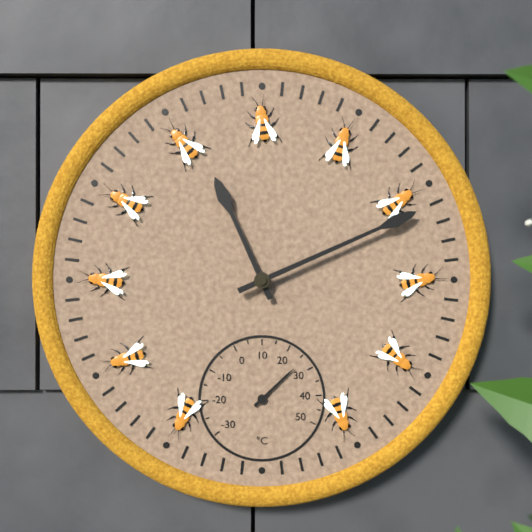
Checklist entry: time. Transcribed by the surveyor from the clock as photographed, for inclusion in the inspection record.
11:11
